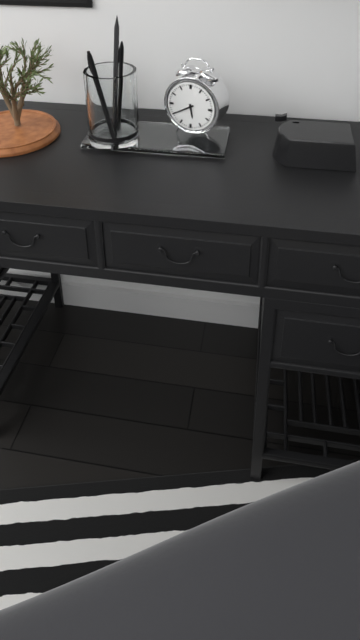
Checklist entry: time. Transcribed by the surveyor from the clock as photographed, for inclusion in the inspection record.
5:40
